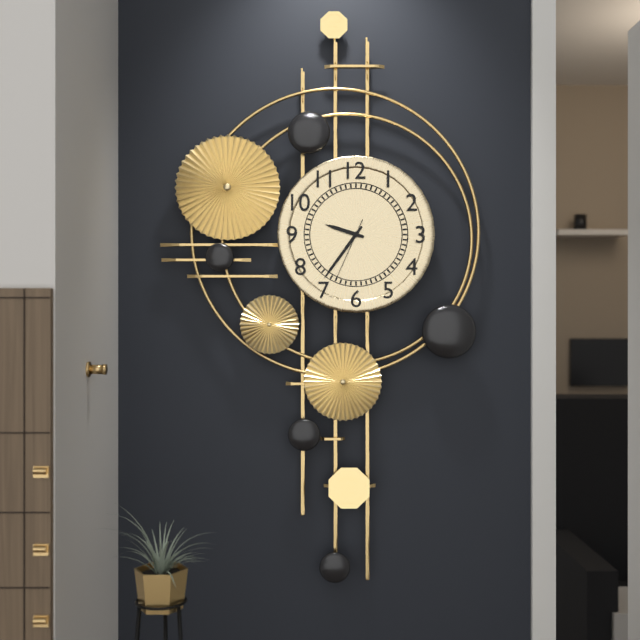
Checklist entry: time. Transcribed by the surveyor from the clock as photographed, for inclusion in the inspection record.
9:36:34
